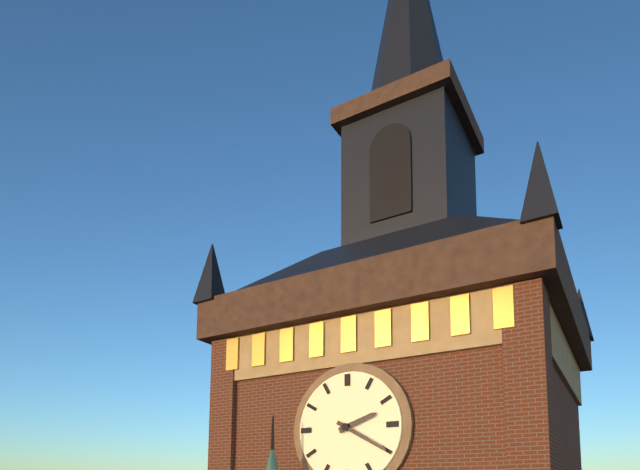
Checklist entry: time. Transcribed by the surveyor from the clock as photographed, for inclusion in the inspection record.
2:20
